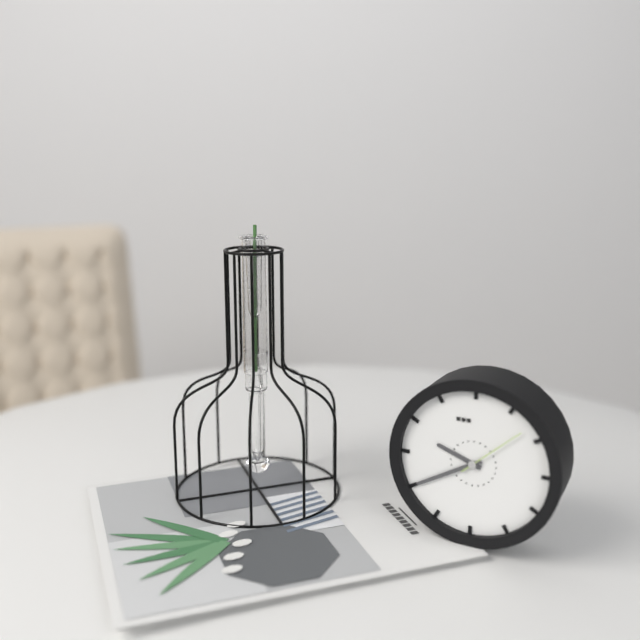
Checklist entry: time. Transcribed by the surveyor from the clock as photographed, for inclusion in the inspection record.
9:40:08
